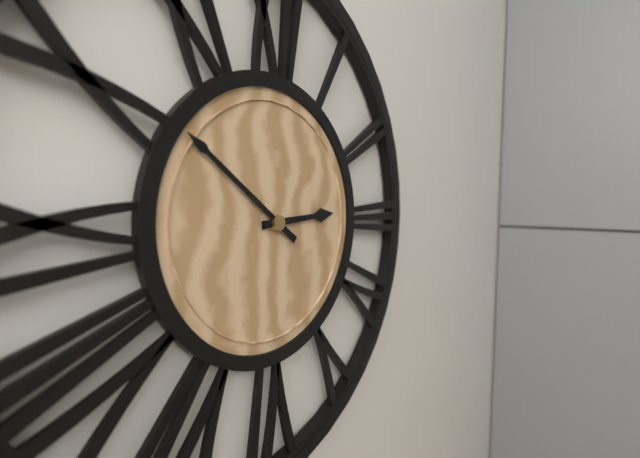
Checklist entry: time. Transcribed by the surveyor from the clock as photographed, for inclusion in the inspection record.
2:51
